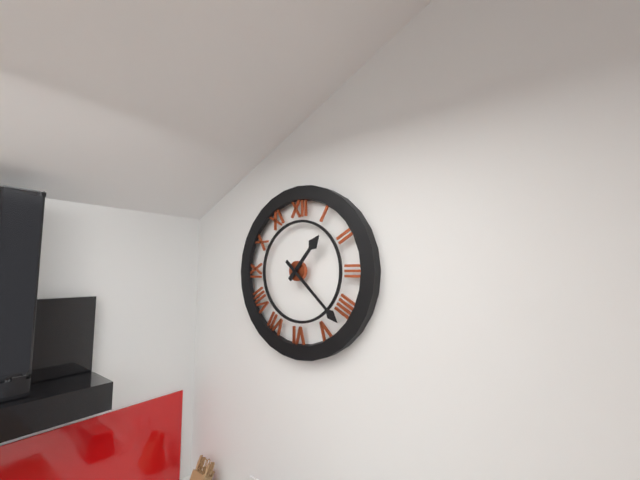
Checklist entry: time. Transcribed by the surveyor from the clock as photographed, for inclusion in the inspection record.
1:22
